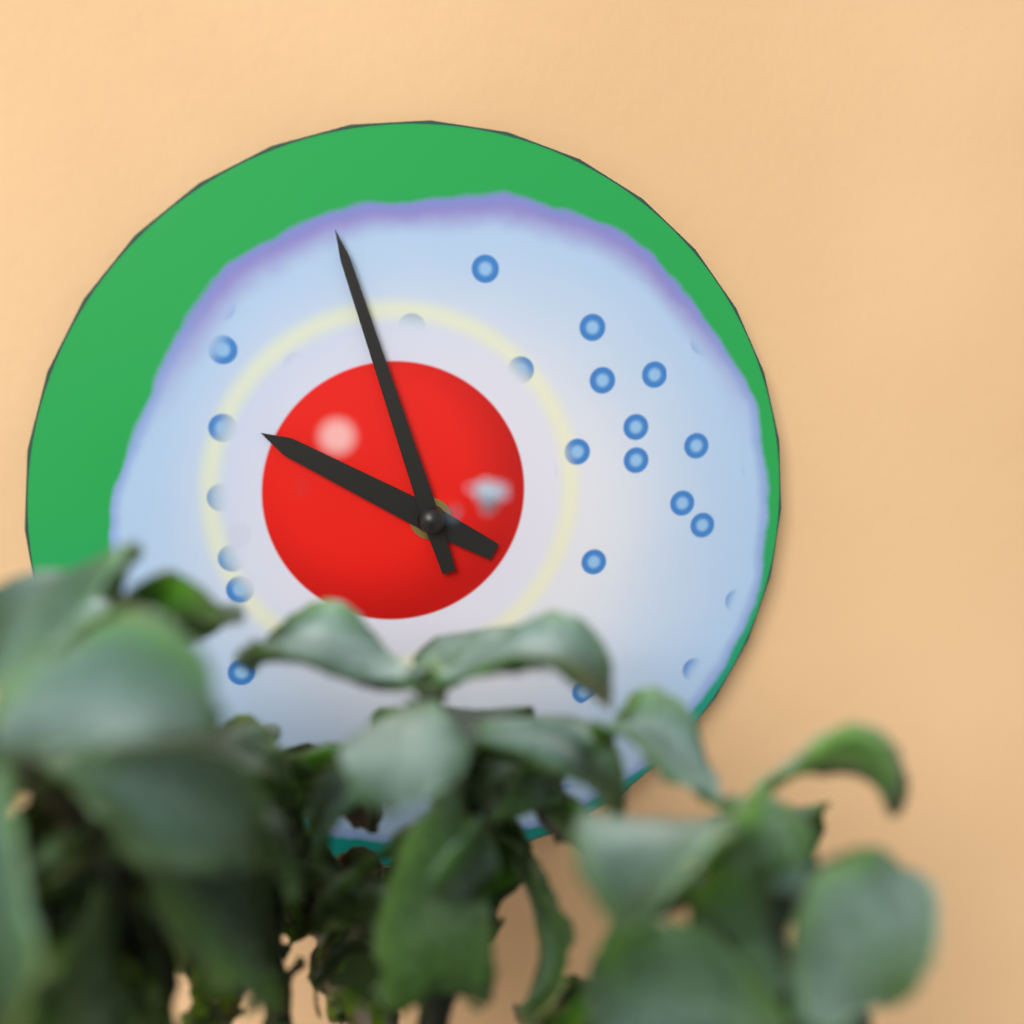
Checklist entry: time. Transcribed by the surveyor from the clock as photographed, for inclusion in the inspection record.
9:57
